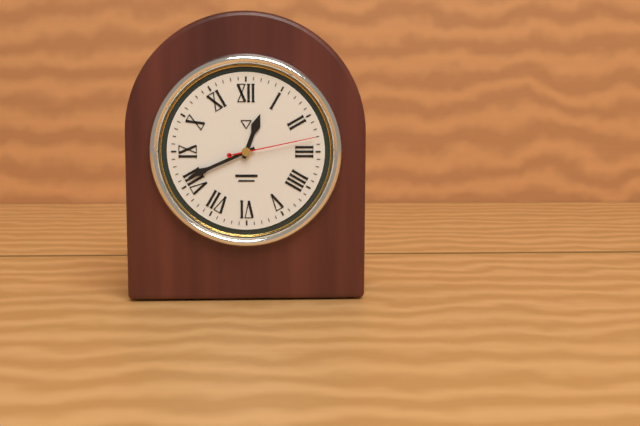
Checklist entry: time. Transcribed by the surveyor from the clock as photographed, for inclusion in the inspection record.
12:41:13
